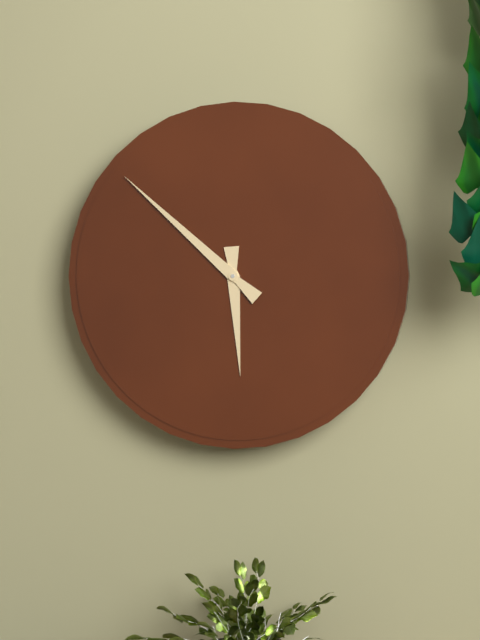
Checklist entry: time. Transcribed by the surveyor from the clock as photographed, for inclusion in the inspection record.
5:52
